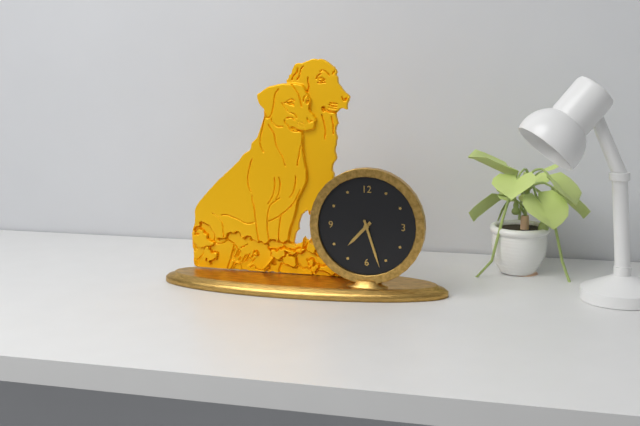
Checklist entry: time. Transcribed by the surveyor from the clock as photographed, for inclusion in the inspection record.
7:27
